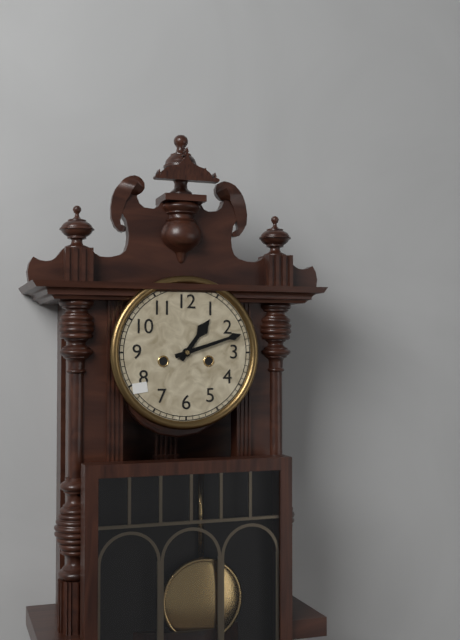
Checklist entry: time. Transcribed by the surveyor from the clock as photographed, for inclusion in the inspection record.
1:12
